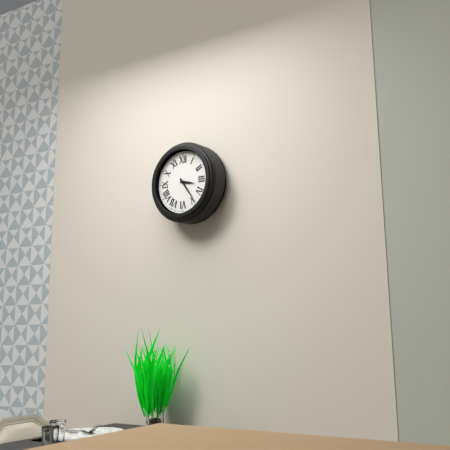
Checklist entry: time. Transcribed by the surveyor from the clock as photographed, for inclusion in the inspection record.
3:24
